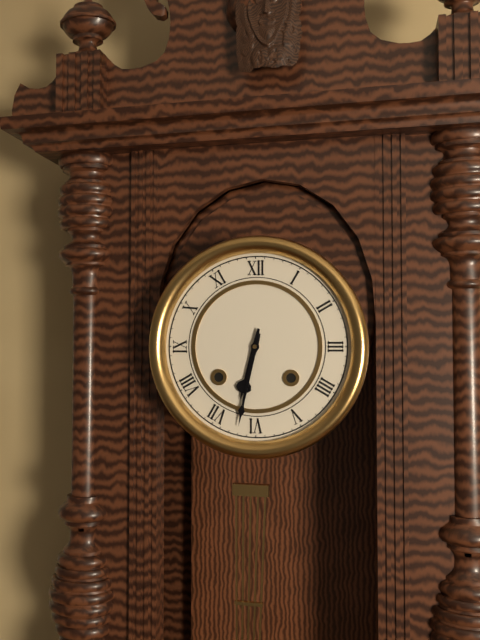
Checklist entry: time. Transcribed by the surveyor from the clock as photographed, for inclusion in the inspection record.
6:32
